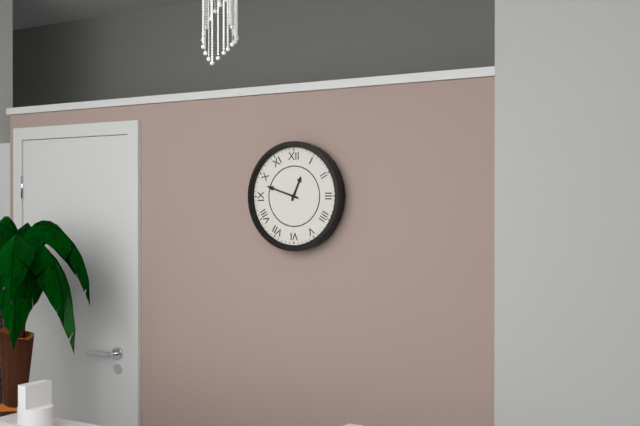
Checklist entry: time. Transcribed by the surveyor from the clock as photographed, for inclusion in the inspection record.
12:48
